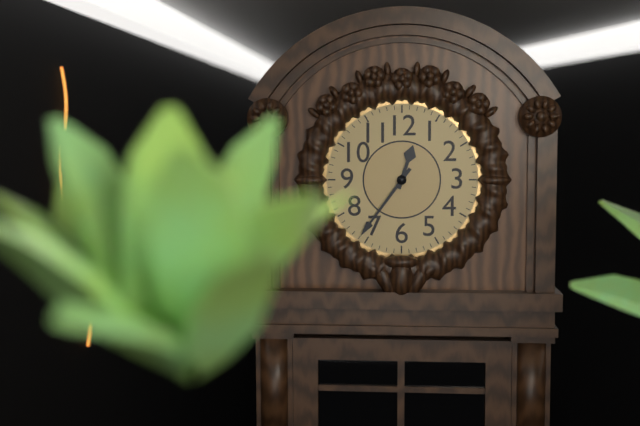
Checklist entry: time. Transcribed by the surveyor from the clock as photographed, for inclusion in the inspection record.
12:36
